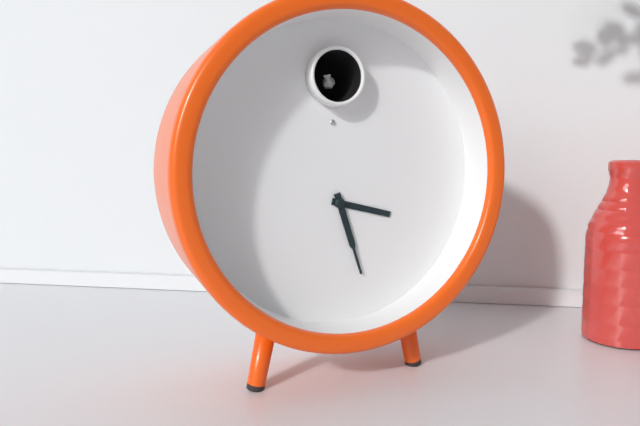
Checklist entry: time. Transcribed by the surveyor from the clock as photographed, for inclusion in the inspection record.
3:27
